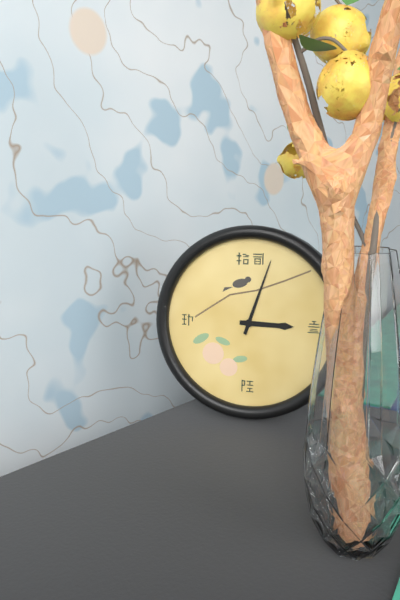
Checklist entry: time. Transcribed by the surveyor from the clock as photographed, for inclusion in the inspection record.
3:03
